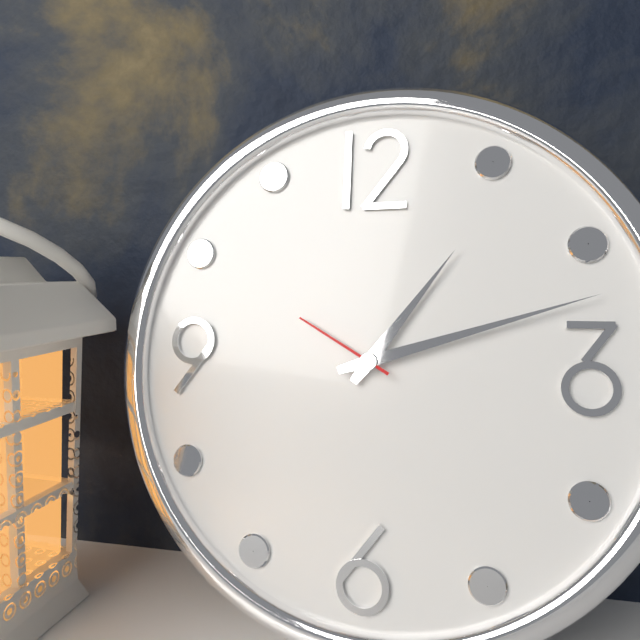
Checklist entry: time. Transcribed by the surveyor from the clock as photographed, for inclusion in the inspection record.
1:12:50
